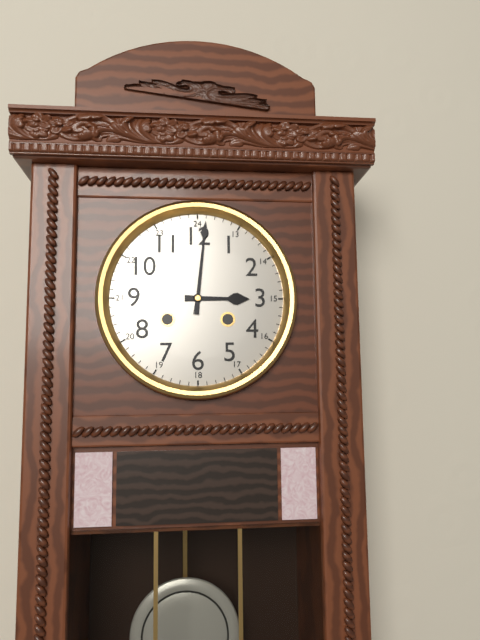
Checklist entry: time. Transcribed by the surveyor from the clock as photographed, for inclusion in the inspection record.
3:01
